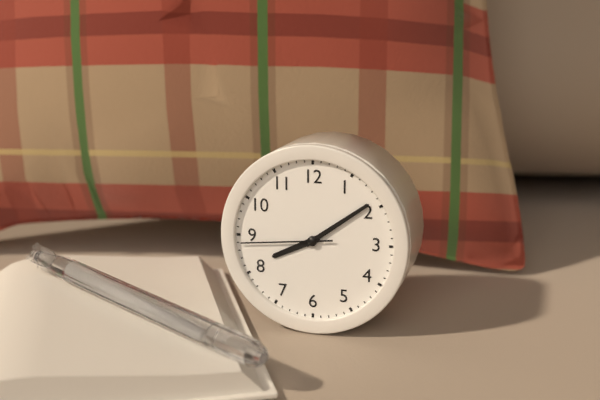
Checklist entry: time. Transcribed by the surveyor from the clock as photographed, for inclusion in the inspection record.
8:09:44
